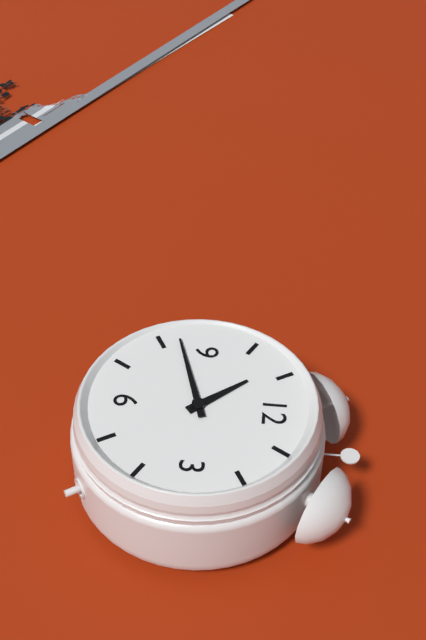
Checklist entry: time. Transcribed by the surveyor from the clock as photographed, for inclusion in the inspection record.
10:42
